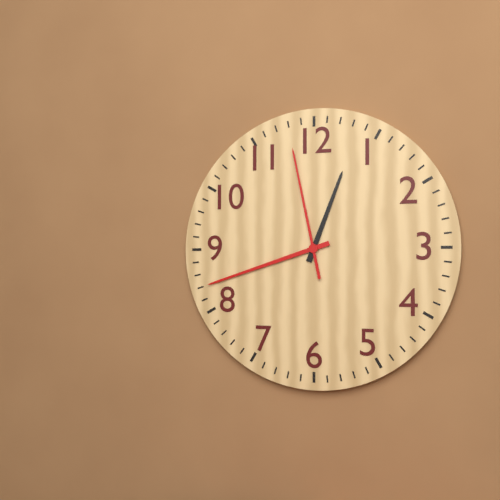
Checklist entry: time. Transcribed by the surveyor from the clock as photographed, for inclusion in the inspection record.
12:42:58
